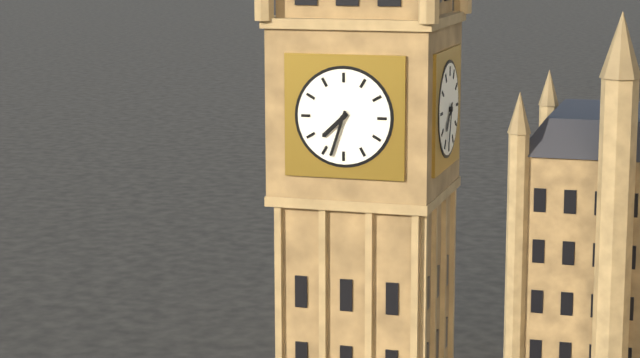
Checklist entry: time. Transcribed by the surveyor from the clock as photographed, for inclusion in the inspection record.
7:33
